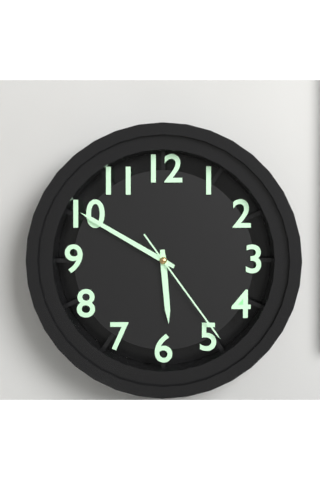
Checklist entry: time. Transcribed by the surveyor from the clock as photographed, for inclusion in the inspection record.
5:50:24
